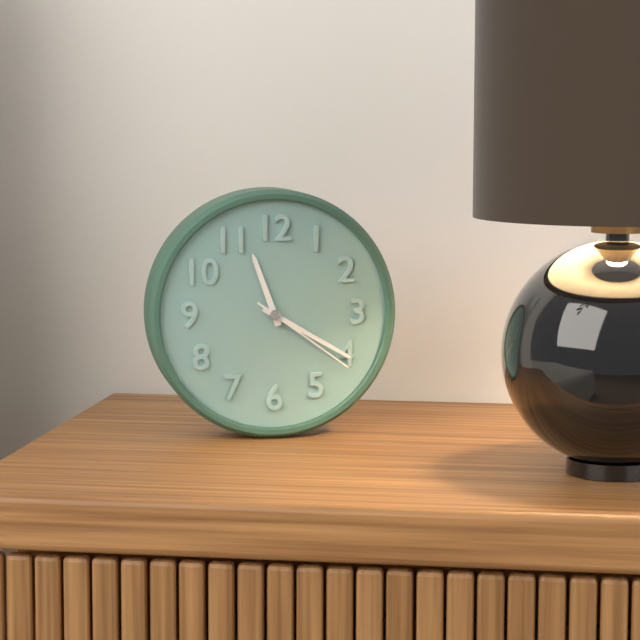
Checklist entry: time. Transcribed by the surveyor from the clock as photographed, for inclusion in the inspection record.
11:20:21
